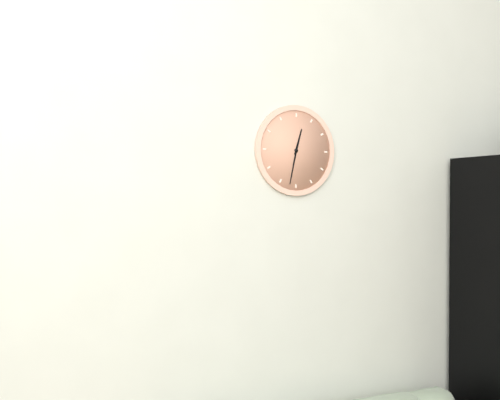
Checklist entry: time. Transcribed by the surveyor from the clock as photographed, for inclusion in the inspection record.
12:32
